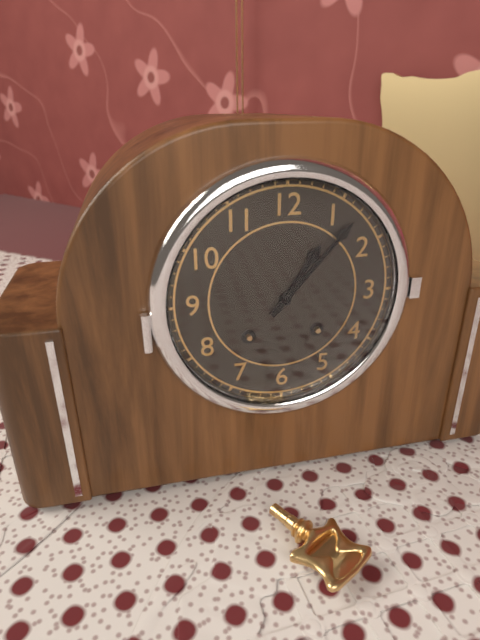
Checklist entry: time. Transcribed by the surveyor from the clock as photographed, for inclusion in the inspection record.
1:07
